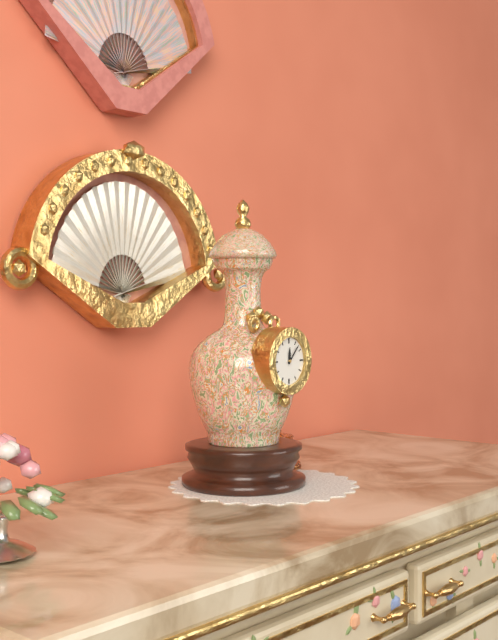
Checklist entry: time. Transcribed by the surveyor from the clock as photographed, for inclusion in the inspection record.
12:07
